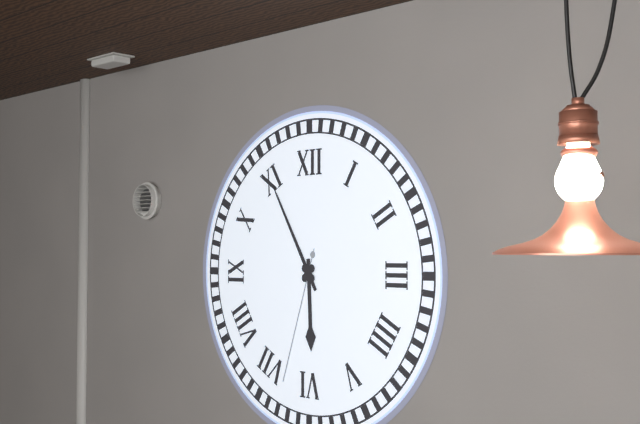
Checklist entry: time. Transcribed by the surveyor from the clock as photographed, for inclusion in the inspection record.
5:55:33
